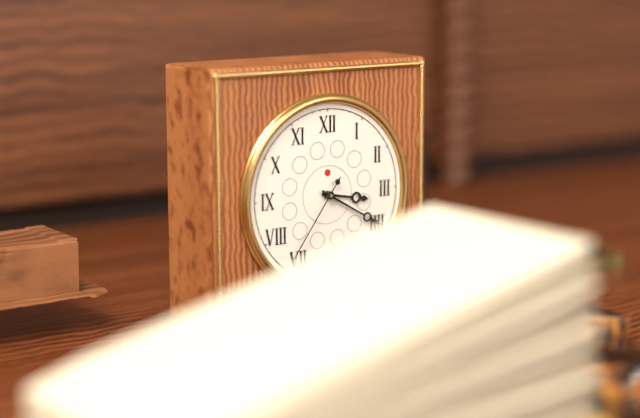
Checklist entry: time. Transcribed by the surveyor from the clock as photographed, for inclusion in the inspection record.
3:20:36
